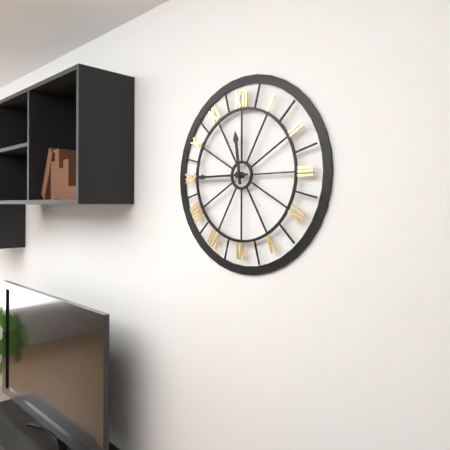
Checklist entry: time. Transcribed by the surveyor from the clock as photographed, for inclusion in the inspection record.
11:45
